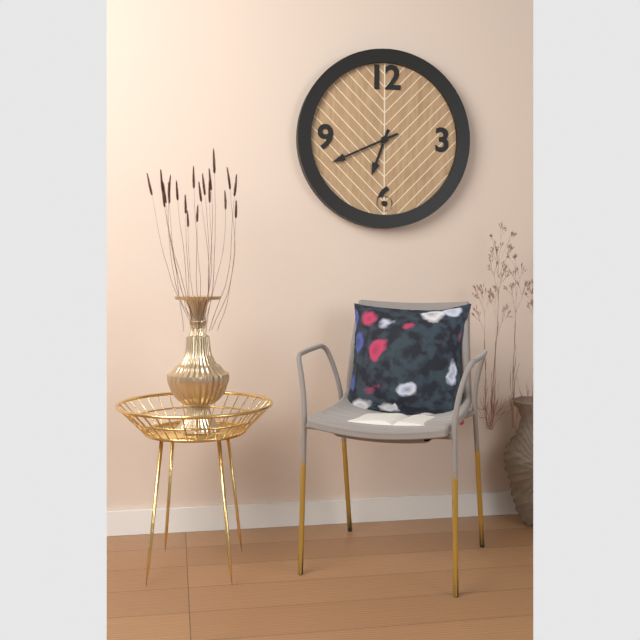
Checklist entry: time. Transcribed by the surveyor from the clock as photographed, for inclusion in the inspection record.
6:41
